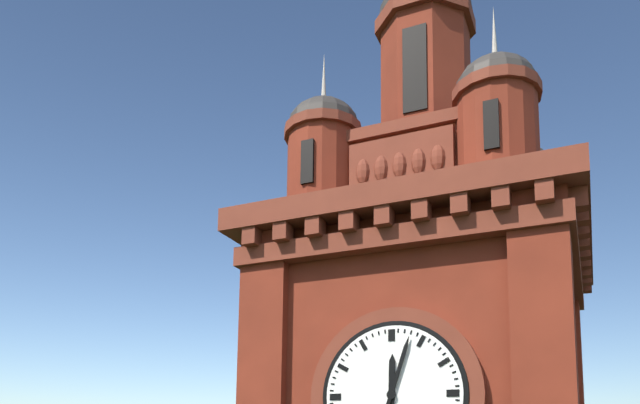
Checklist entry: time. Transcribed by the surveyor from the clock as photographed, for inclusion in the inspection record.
12:03
